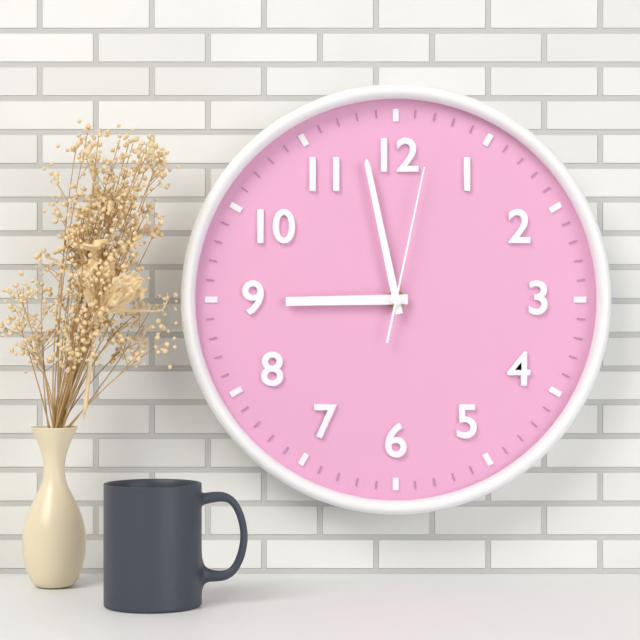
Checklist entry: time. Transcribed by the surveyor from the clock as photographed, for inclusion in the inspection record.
8:58:02
